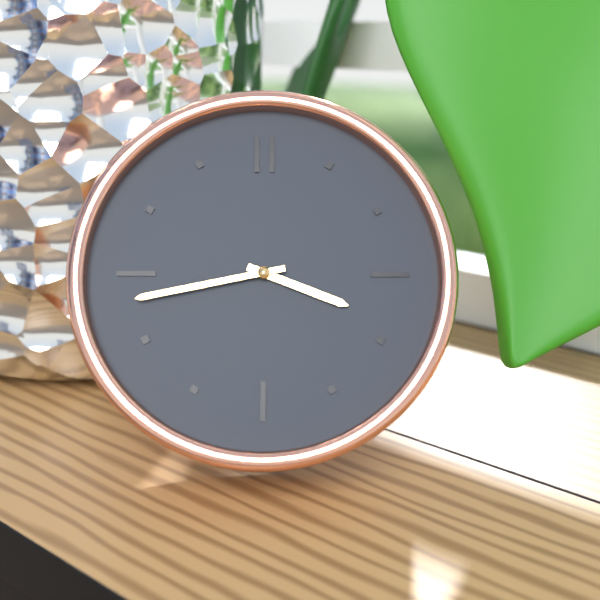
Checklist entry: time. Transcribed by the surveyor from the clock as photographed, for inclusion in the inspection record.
3:43
